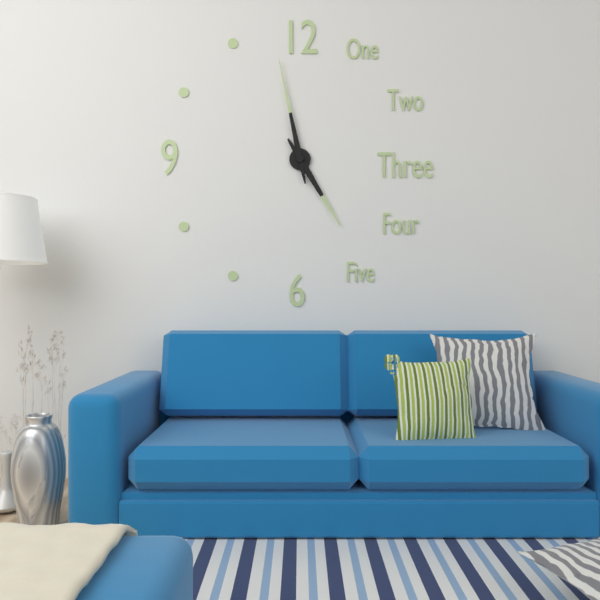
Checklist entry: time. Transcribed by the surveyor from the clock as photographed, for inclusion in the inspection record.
4:58
